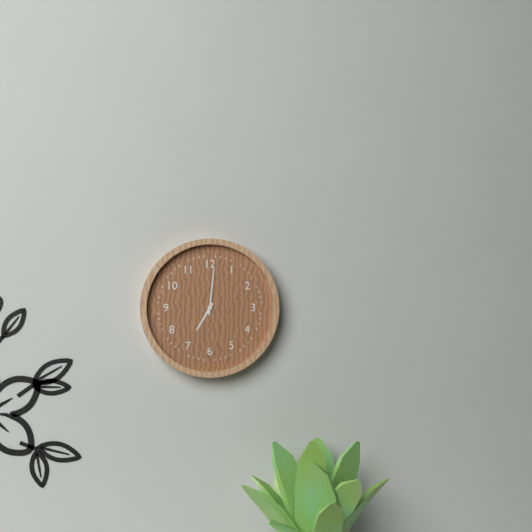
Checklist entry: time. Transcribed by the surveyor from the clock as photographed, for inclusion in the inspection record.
7:01
